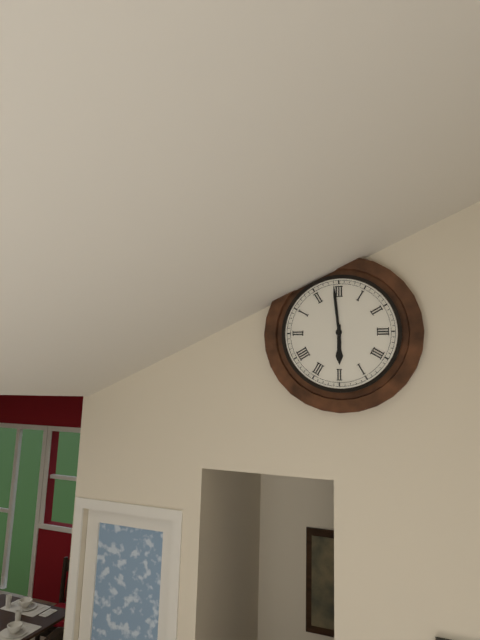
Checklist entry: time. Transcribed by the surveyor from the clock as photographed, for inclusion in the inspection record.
5:59
